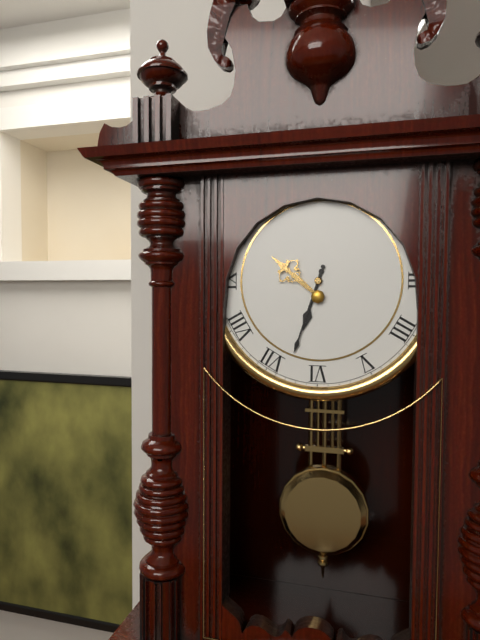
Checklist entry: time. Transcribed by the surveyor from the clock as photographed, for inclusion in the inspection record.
6:33
